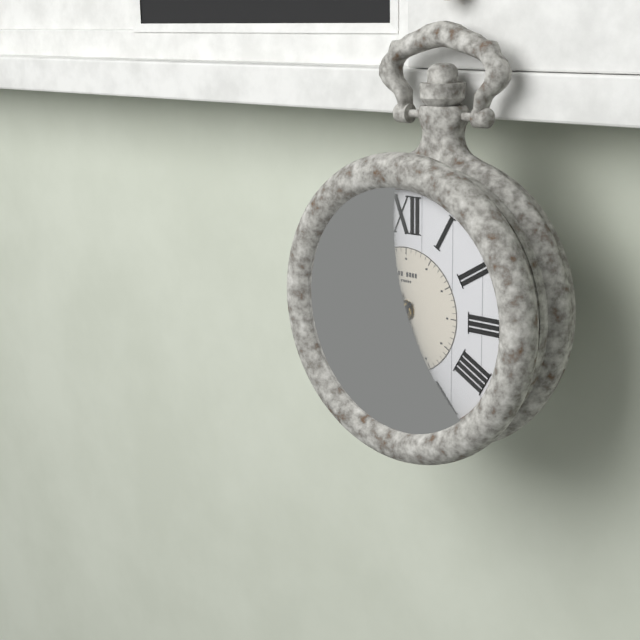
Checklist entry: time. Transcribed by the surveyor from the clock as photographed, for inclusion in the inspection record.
7:26
